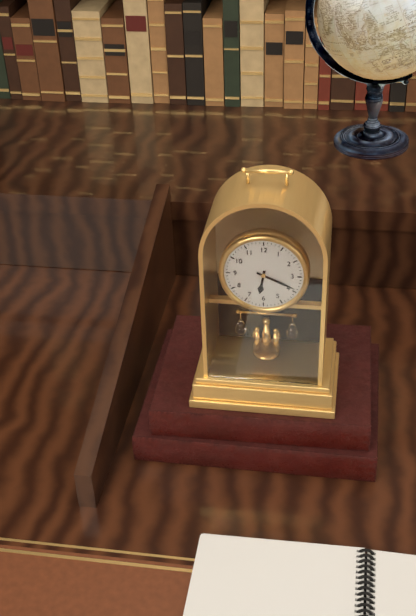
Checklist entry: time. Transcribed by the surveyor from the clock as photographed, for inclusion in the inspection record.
6:19
